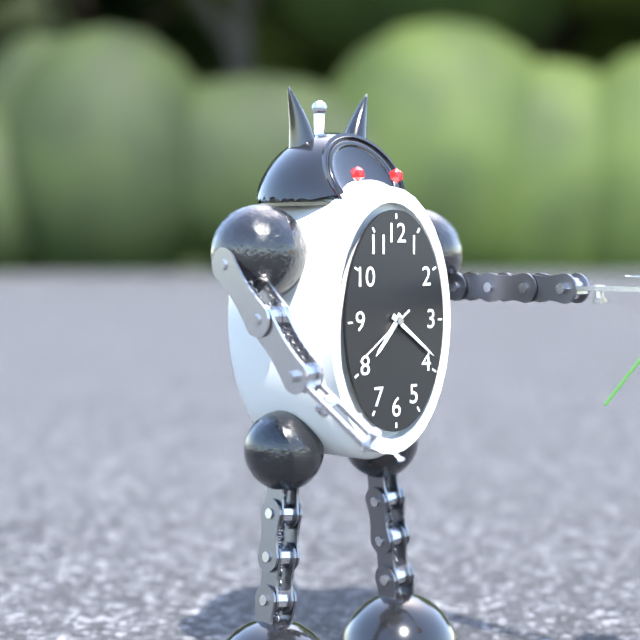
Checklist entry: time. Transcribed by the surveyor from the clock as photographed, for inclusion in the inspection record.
7:21:39
